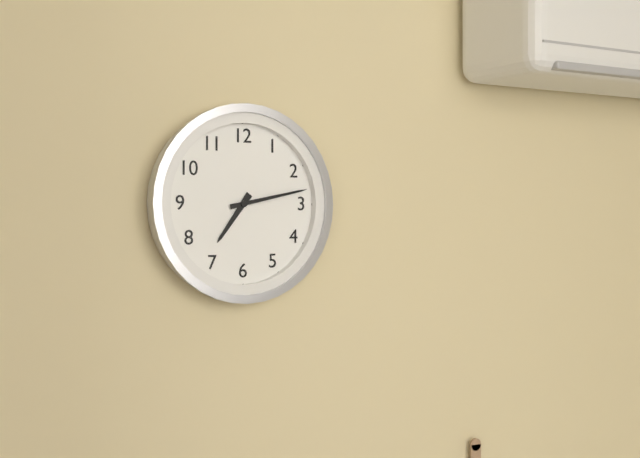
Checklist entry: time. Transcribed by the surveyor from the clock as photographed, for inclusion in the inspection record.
7:13
